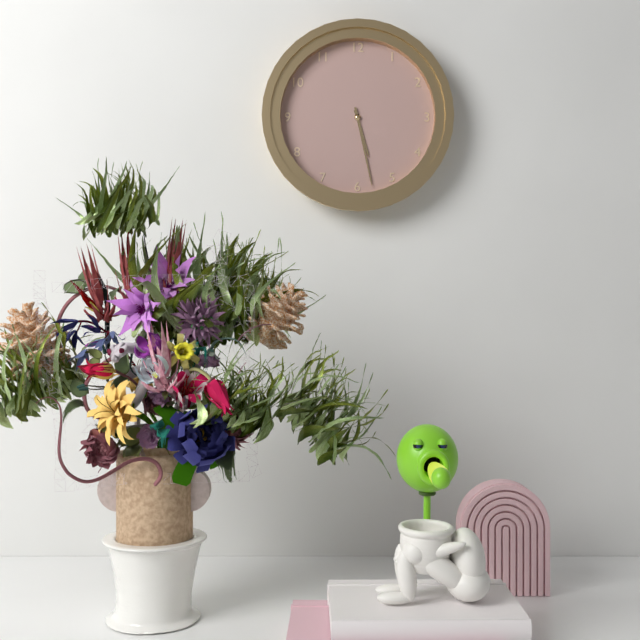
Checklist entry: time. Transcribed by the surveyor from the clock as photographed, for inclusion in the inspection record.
5:28
